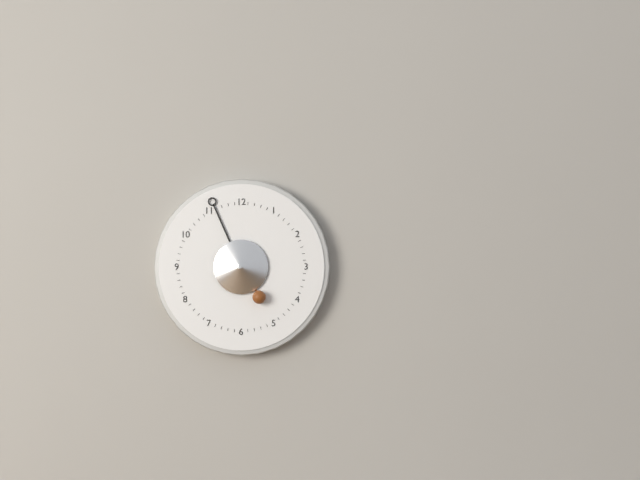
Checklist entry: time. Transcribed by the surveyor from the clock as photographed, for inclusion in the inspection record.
4:56
